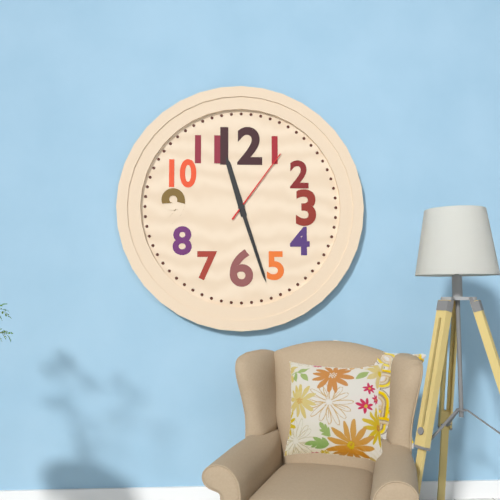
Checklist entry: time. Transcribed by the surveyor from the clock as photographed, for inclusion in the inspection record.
11:27:06
